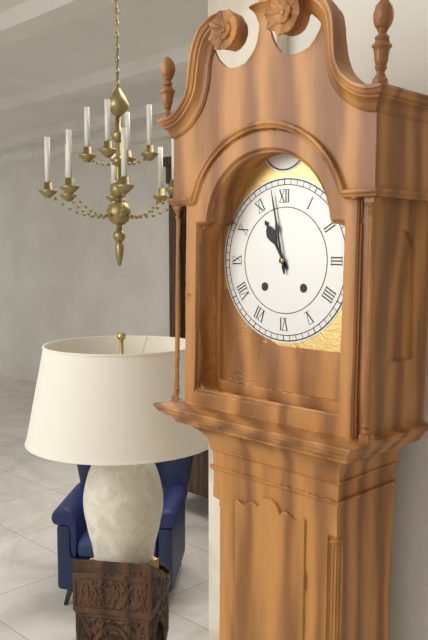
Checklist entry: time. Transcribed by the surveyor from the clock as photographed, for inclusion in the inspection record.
10:58
